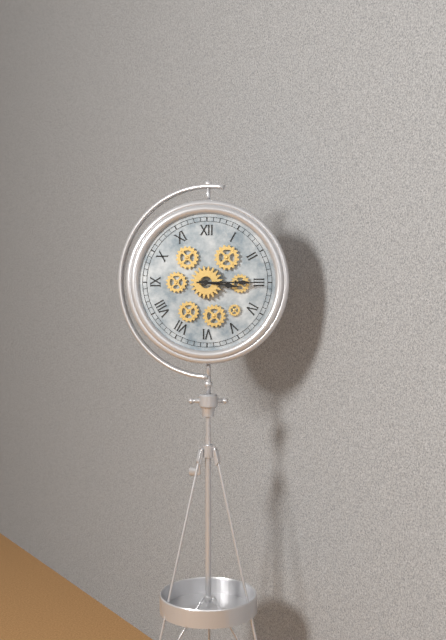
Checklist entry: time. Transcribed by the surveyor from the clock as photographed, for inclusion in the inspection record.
3:15
